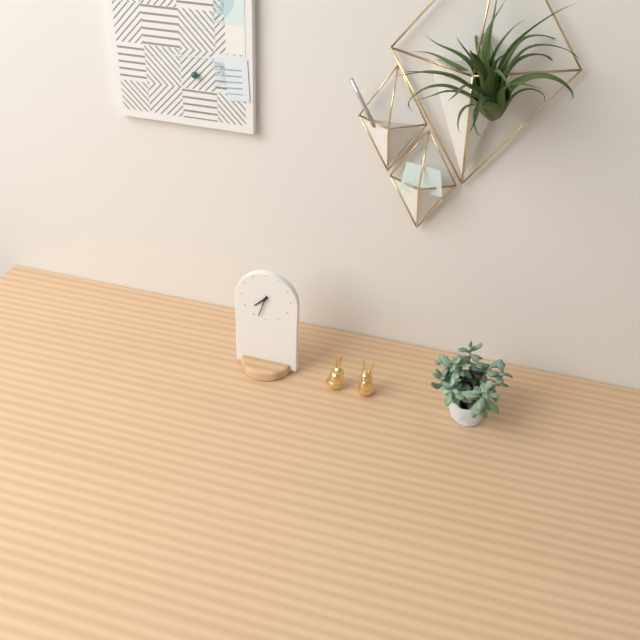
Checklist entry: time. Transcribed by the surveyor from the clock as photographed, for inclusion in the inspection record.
7:33
